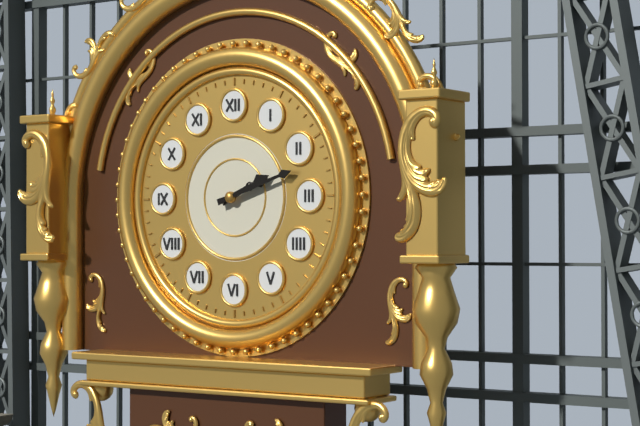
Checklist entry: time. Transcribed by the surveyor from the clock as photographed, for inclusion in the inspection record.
2:12
